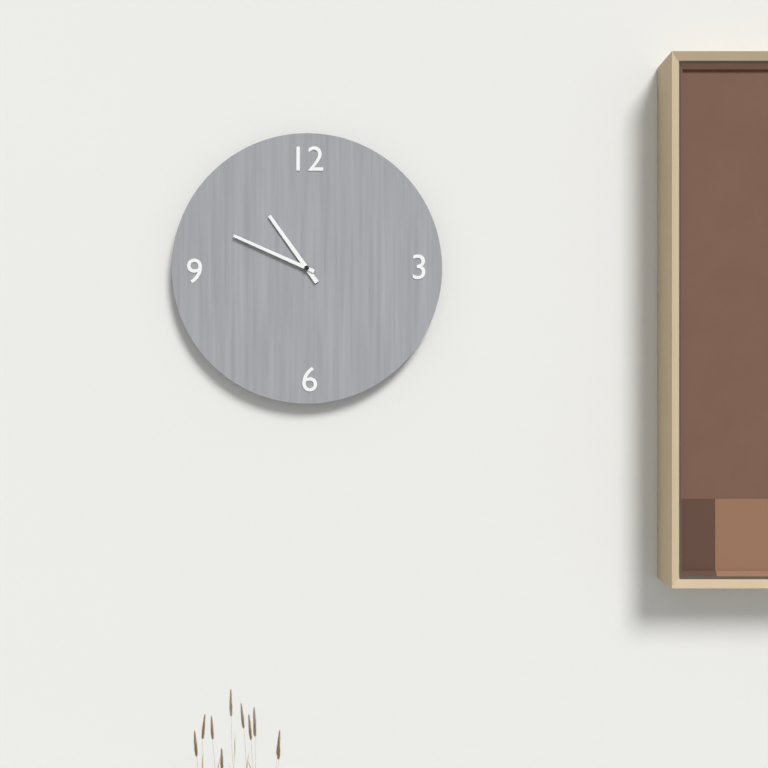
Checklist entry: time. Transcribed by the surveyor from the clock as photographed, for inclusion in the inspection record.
10:49
